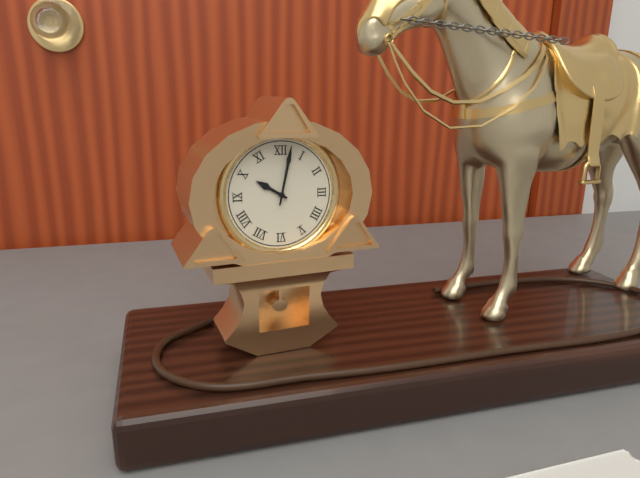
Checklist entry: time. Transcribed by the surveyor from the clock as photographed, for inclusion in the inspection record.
10:02
